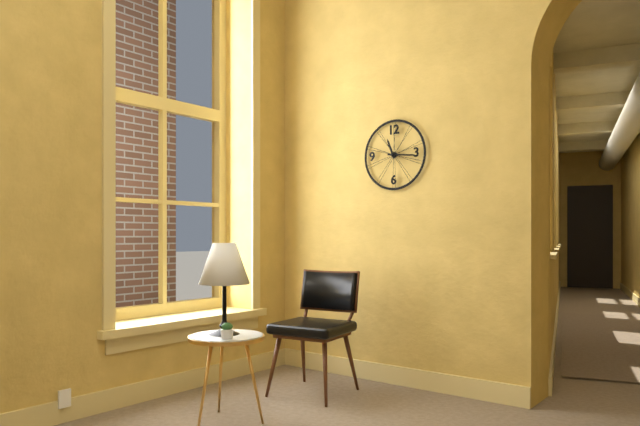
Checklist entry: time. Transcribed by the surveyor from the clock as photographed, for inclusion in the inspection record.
11:16
